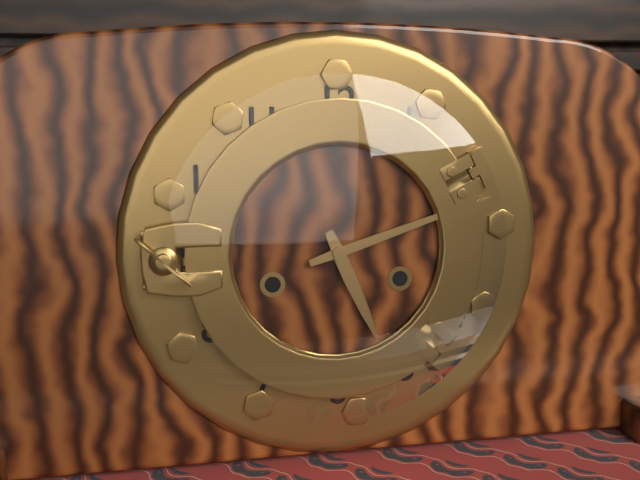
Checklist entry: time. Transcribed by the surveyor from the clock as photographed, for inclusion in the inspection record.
5:12
